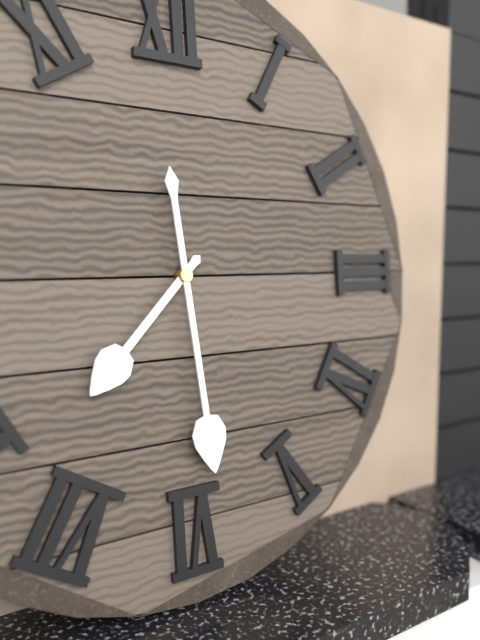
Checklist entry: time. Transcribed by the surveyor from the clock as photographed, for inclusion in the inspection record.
7:29
